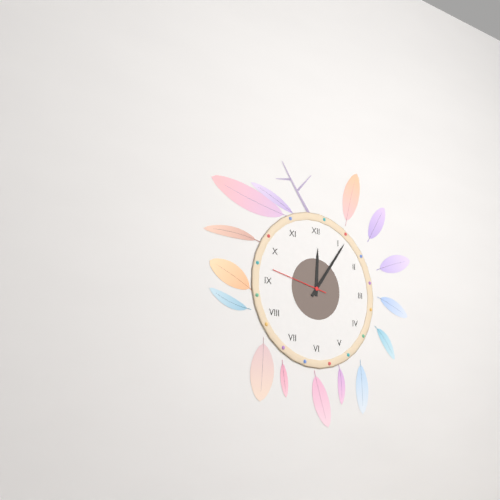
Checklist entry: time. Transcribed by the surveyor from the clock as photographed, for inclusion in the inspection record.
12:06:47
